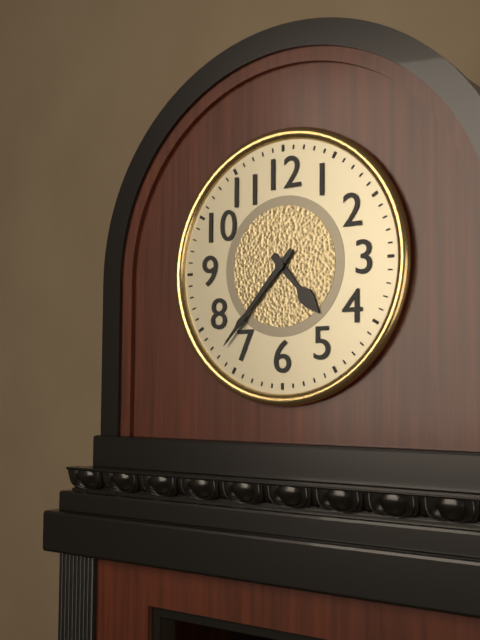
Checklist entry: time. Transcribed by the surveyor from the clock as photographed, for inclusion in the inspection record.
4:37
